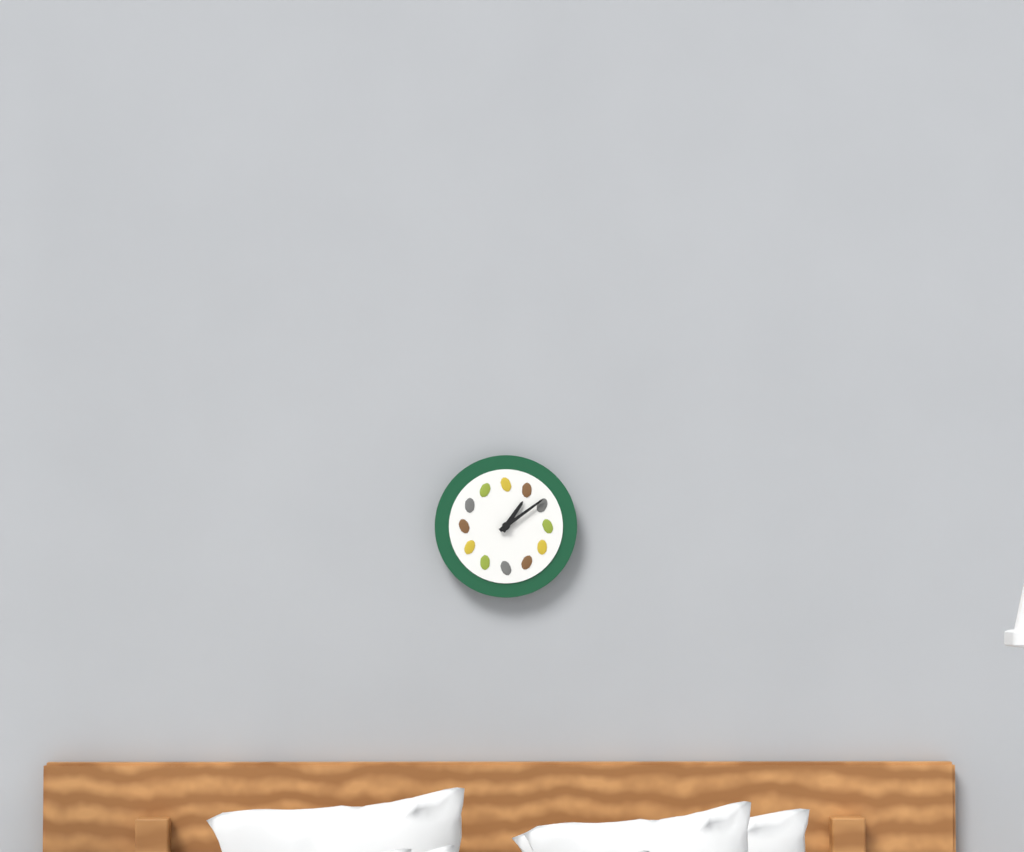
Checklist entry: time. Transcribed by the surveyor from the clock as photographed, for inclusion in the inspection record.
1:09
